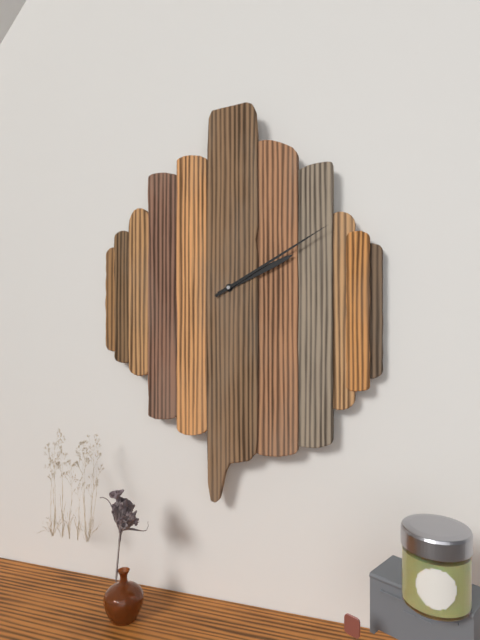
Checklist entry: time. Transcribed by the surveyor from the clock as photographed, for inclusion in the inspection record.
2:10
